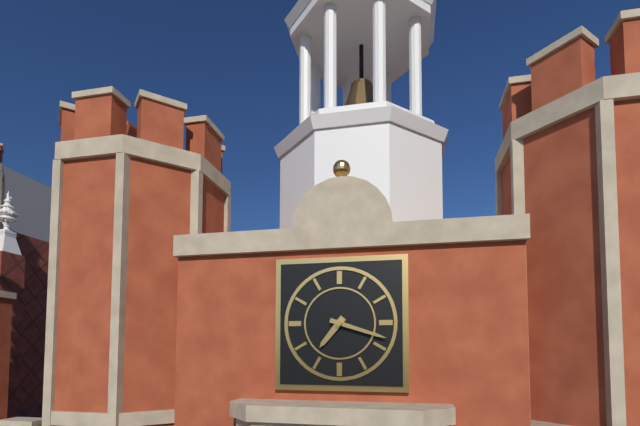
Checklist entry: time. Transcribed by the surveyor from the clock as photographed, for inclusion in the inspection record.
7:18
